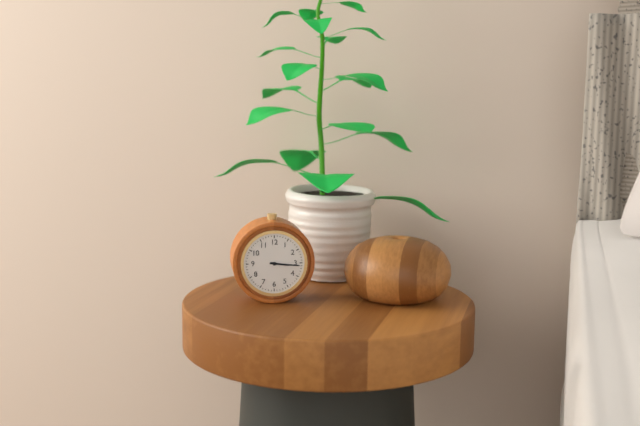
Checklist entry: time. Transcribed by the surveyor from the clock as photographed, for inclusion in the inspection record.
3:16
